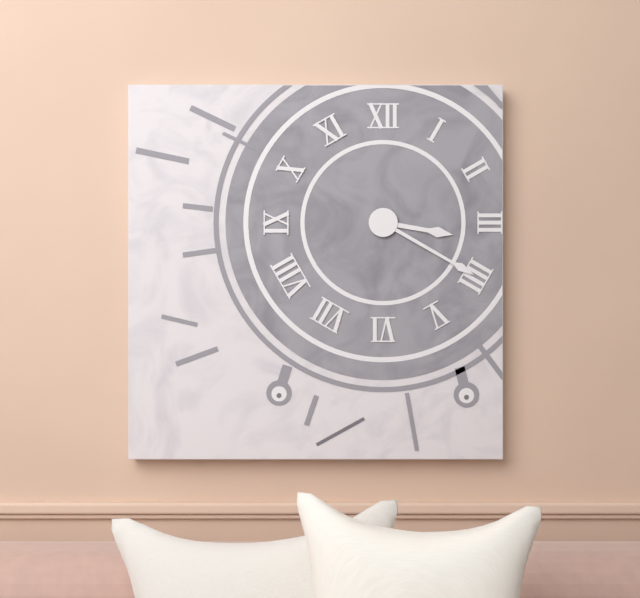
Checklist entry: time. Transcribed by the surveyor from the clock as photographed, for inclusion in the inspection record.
3:20
